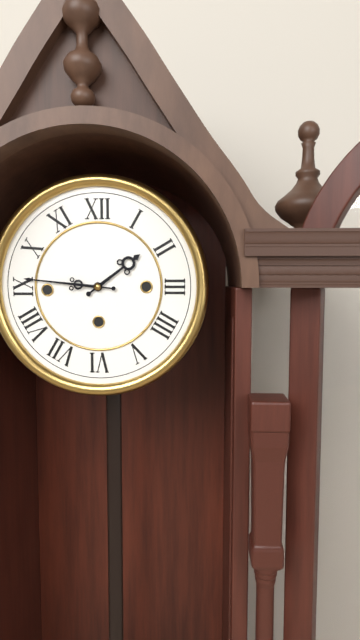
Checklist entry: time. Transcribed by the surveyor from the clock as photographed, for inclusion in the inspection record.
1:46
